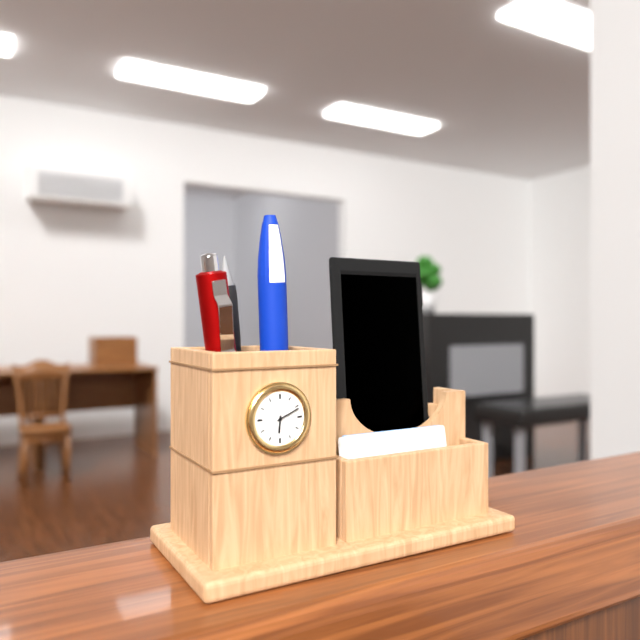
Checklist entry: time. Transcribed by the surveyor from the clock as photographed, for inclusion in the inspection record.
6:11
